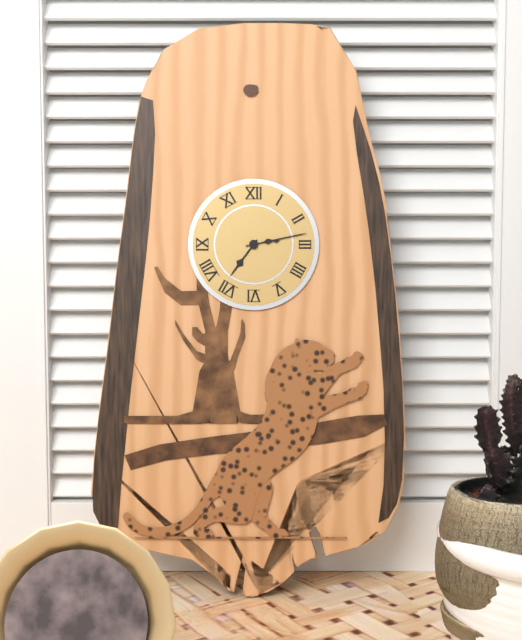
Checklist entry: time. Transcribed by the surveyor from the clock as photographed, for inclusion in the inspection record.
7:13
